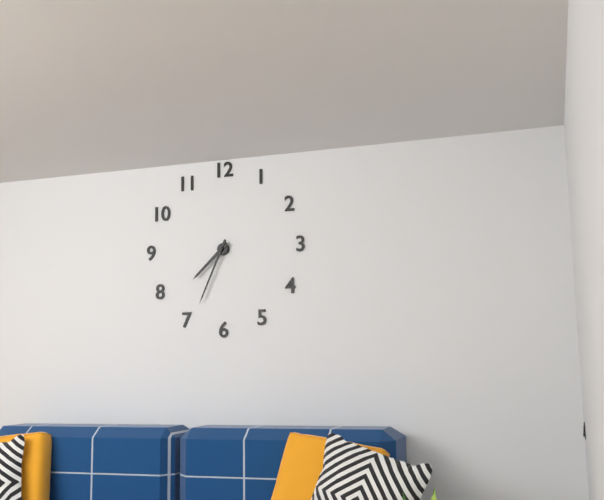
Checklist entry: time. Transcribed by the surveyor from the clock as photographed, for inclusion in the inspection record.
7:34
